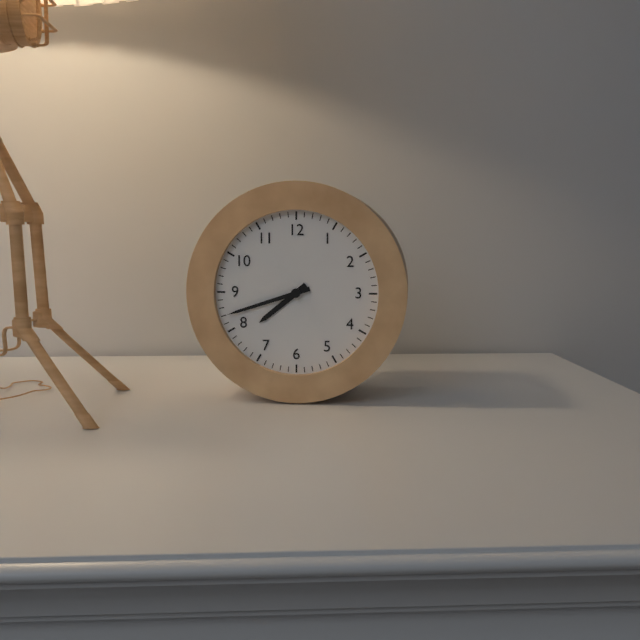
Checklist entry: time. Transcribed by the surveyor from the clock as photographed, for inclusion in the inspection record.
7:42
